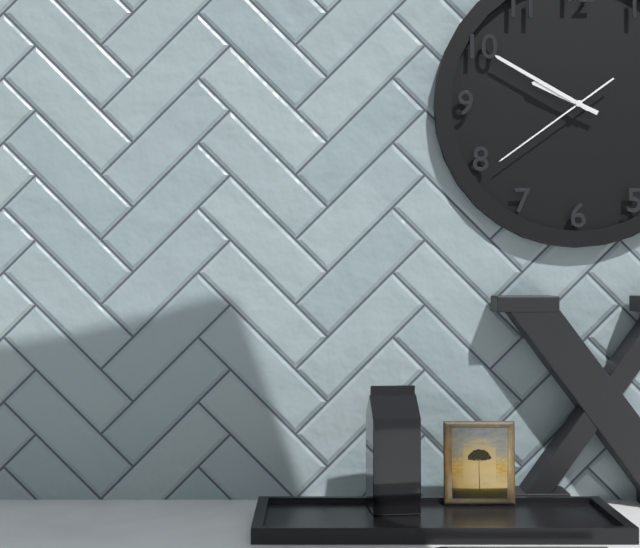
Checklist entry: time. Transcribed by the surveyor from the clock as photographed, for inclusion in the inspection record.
9:50:39
